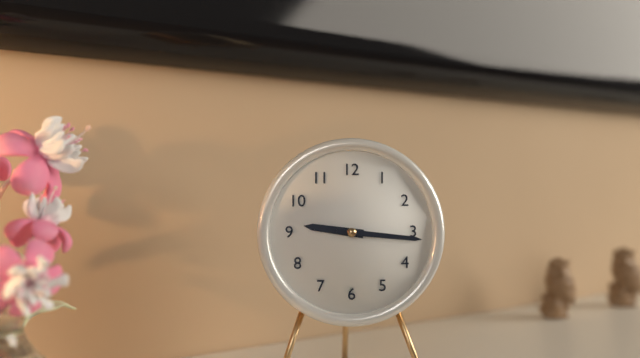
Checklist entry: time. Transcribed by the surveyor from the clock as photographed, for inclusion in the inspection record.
9:16
